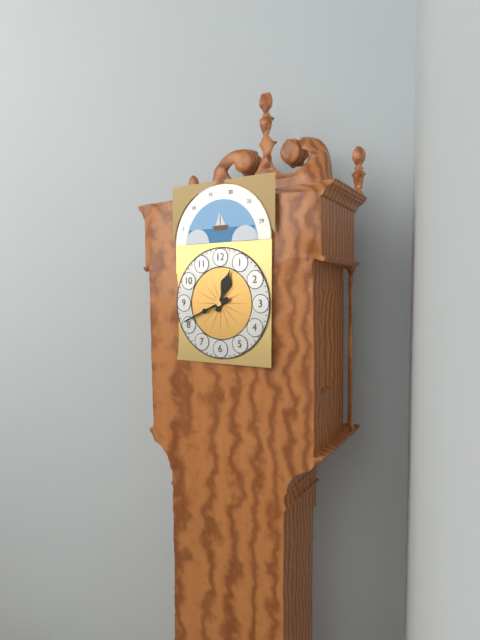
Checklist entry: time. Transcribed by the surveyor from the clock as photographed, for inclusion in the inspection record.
12:41
